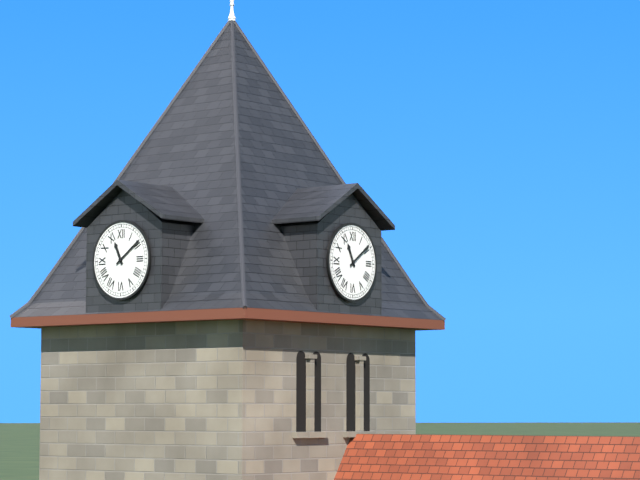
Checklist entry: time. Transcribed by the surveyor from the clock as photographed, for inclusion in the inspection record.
11:09
